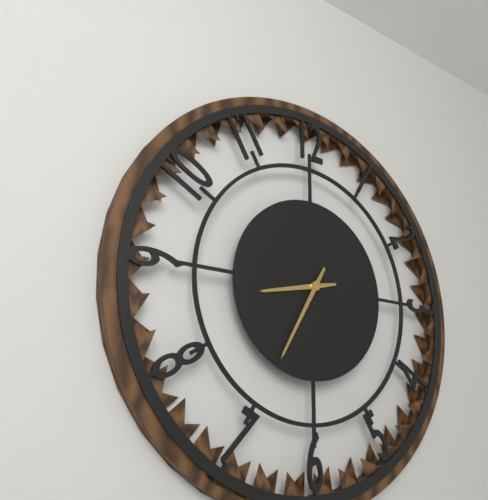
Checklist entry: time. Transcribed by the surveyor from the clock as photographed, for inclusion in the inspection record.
8:35
